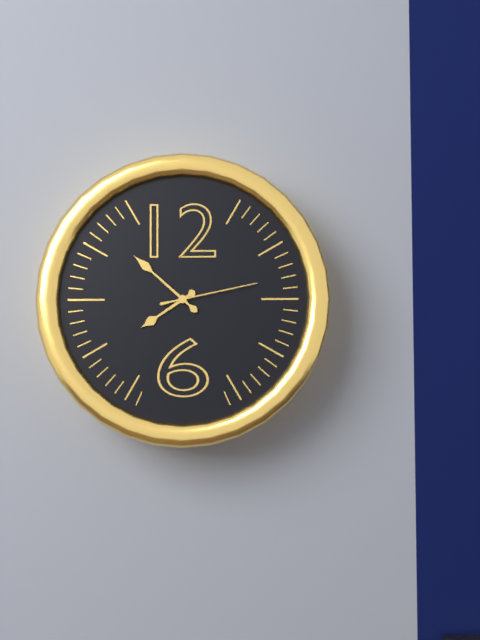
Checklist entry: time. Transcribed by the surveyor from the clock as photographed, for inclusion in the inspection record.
7:52:13
